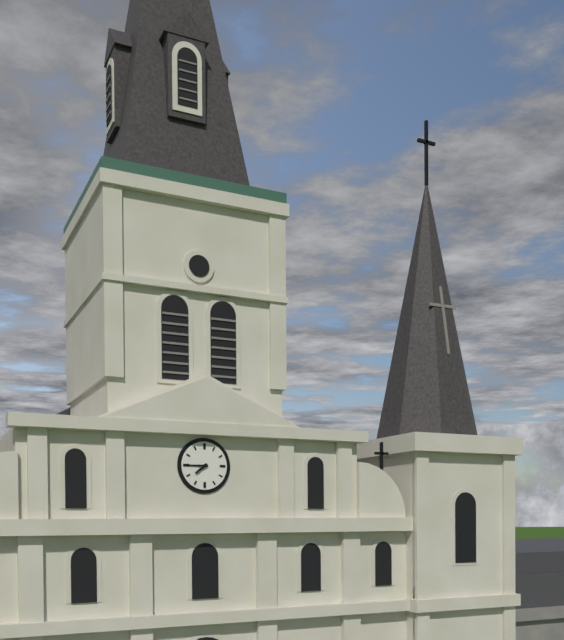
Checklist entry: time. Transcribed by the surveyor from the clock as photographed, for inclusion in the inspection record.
7:45
